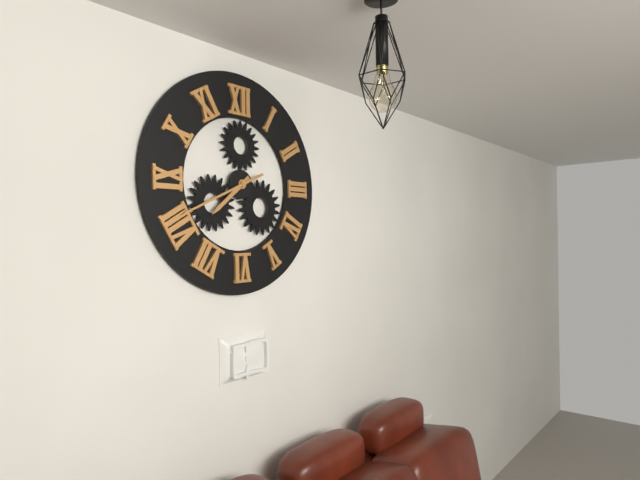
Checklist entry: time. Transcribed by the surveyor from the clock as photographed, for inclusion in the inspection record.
7:41
